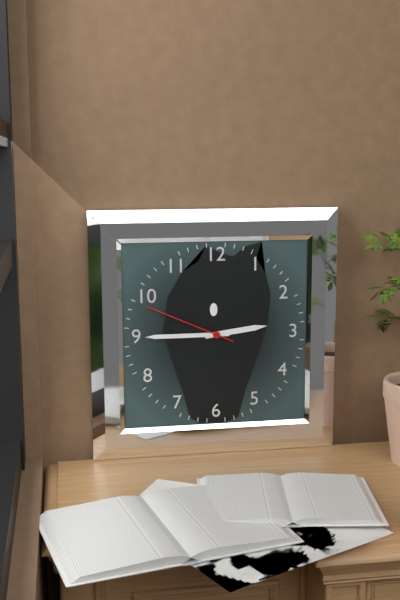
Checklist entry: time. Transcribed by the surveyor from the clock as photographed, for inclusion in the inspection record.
2:45:49
